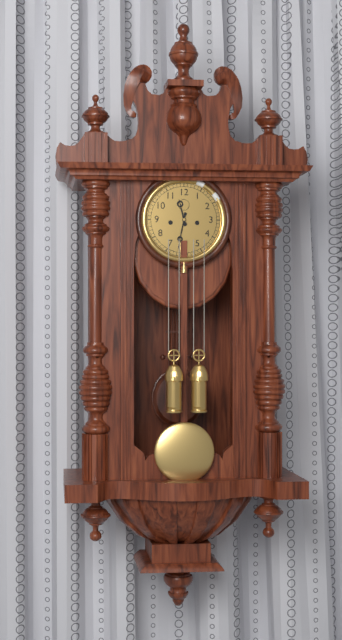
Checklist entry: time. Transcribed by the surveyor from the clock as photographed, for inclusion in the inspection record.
11:32
